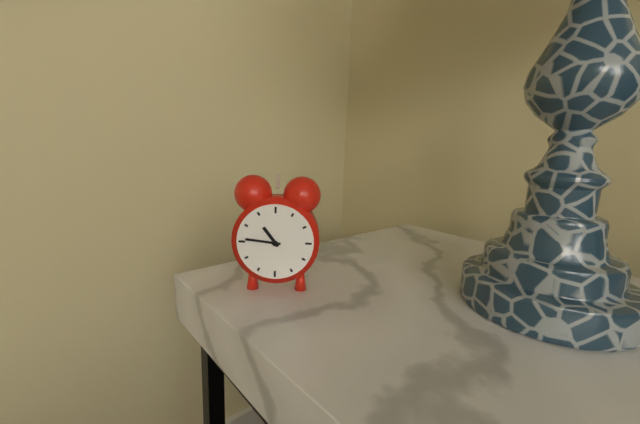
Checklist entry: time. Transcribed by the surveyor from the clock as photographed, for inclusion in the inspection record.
10:46
